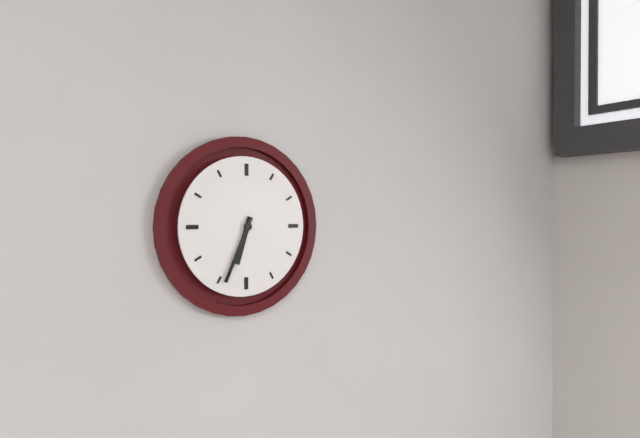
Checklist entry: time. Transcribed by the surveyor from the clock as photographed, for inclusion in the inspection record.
6:34
